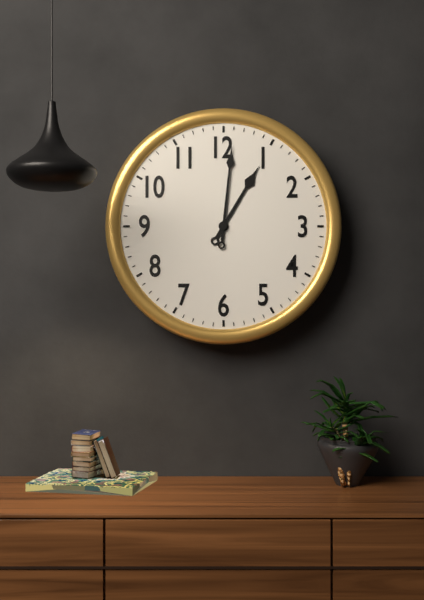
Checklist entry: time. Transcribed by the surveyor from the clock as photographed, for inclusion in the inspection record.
1:01
